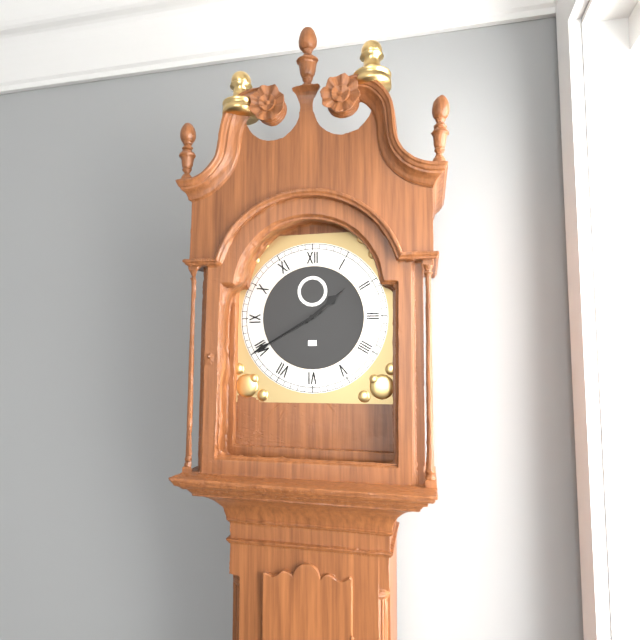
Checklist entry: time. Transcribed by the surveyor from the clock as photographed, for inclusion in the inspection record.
1:40
